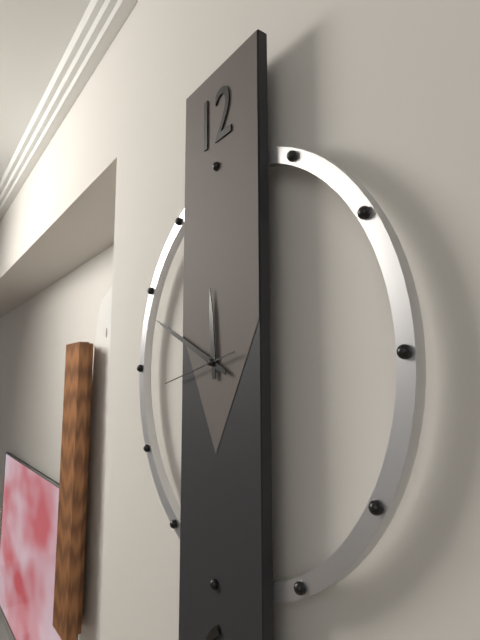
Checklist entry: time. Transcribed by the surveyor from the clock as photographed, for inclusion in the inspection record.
11:49:43
